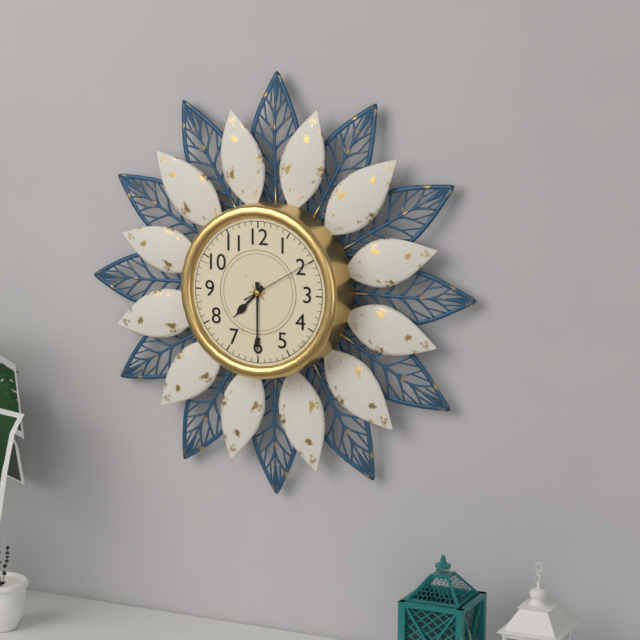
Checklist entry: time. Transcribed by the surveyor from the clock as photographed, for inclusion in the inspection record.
7:30:10
